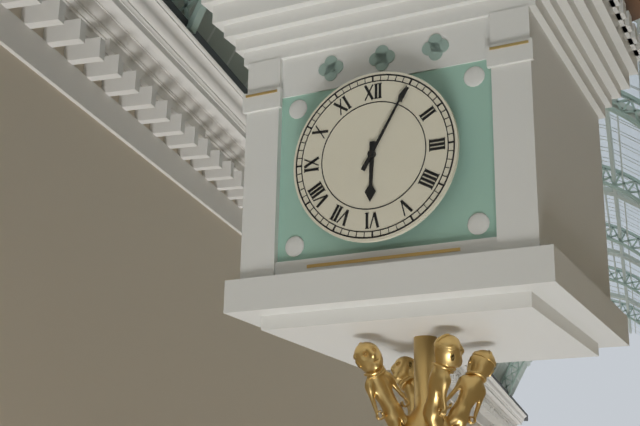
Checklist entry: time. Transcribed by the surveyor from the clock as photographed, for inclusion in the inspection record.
6:05
